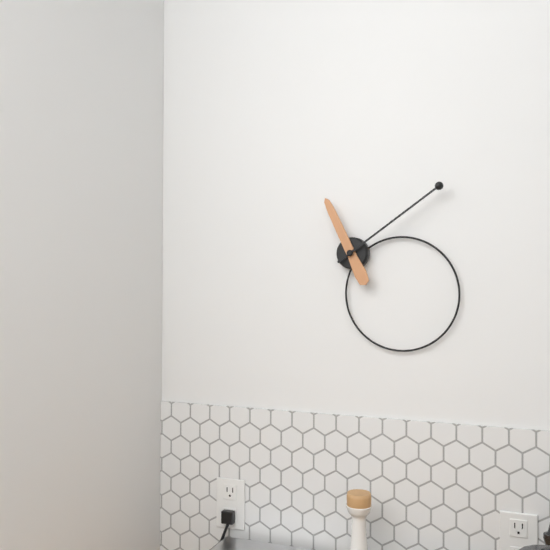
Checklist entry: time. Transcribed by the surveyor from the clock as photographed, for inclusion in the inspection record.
11:09
